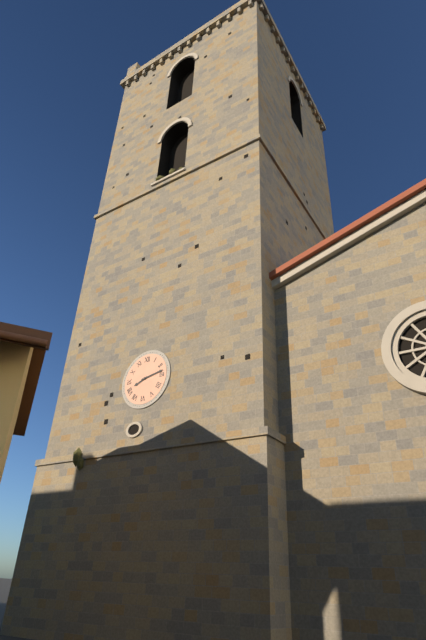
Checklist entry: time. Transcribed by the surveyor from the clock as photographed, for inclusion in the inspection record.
8:13
